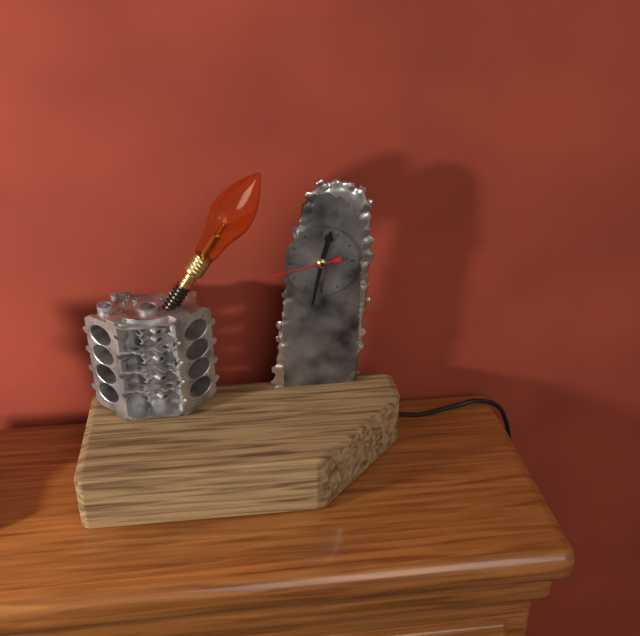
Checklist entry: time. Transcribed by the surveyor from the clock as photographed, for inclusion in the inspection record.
12:32:43
